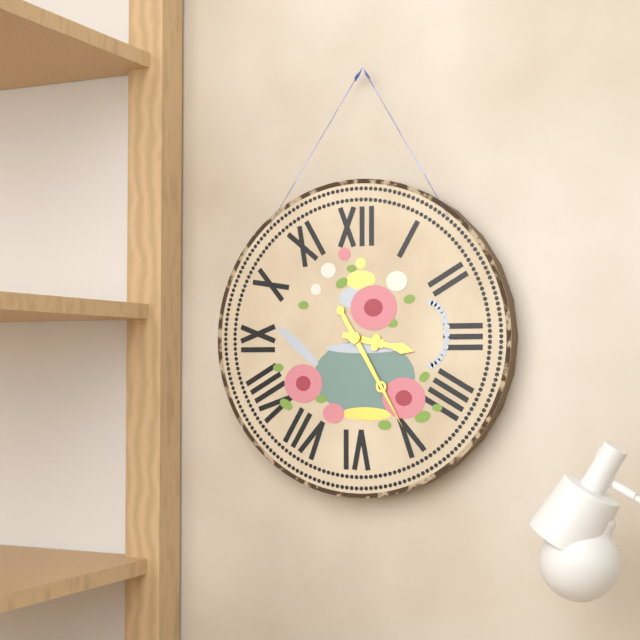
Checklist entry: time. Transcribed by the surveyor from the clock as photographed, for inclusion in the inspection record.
3:25
